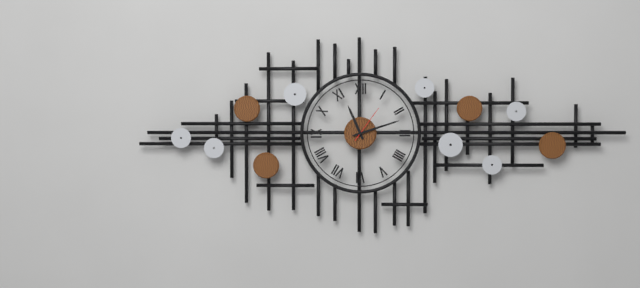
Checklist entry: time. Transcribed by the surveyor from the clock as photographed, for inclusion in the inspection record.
11:12
